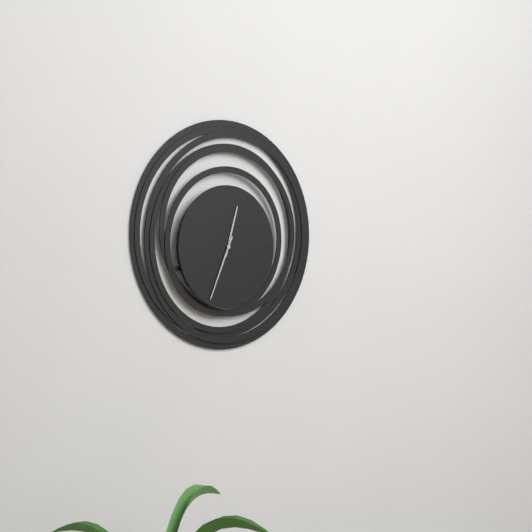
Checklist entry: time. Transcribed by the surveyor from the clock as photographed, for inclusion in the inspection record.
12:34
